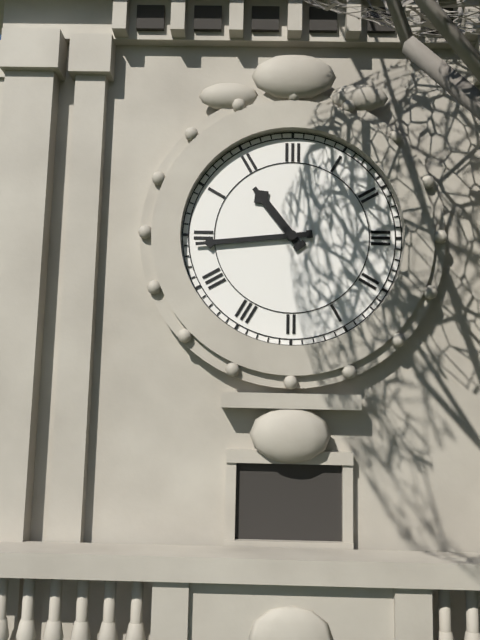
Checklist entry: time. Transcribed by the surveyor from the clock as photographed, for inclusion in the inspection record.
10:44
